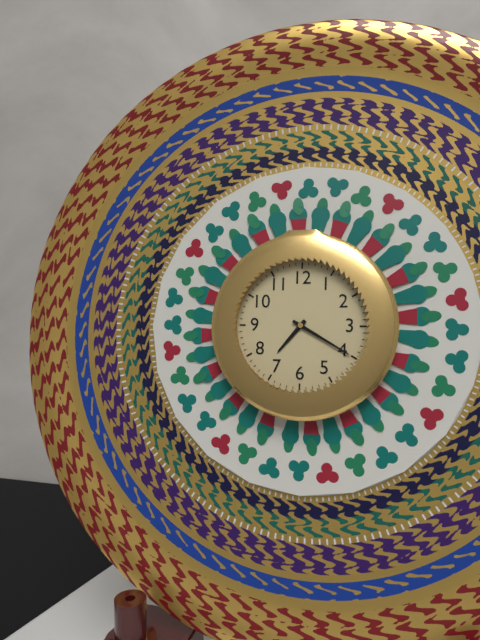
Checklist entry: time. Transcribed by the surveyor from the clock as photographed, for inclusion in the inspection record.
7:20
